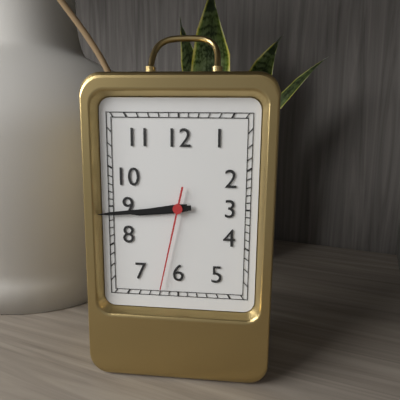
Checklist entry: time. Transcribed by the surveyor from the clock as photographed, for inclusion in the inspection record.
8:44:32
